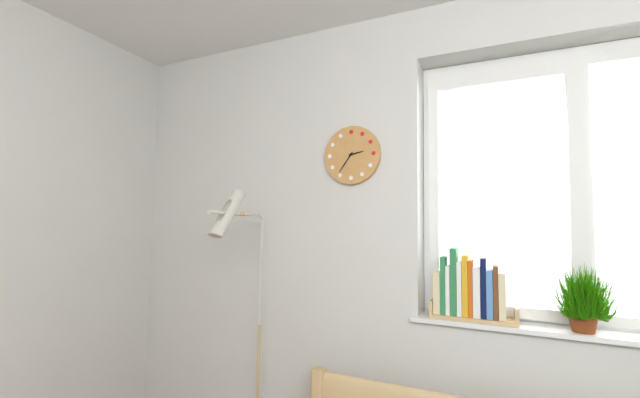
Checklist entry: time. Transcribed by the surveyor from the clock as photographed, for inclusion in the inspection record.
2:36
